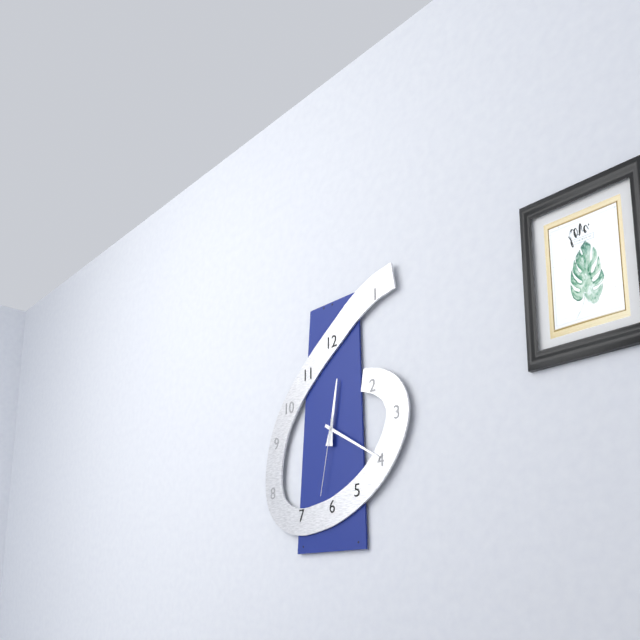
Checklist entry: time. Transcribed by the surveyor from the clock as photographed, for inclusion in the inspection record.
12:20:32
